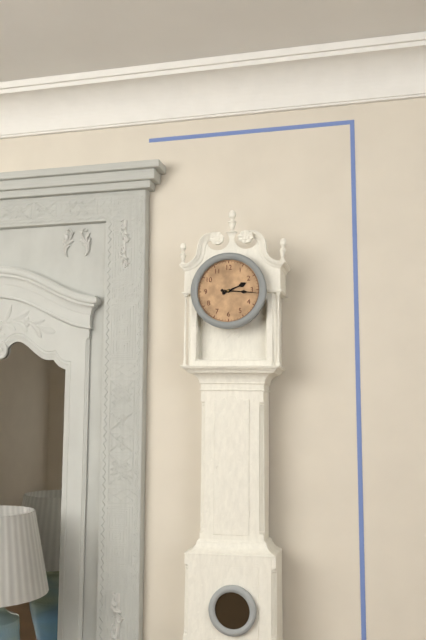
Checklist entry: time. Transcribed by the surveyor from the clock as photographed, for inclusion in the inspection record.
2:16
